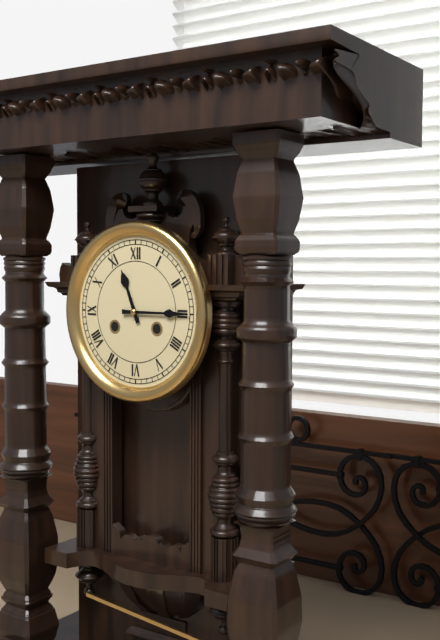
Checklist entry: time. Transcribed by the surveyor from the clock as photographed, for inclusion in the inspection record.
11:15
